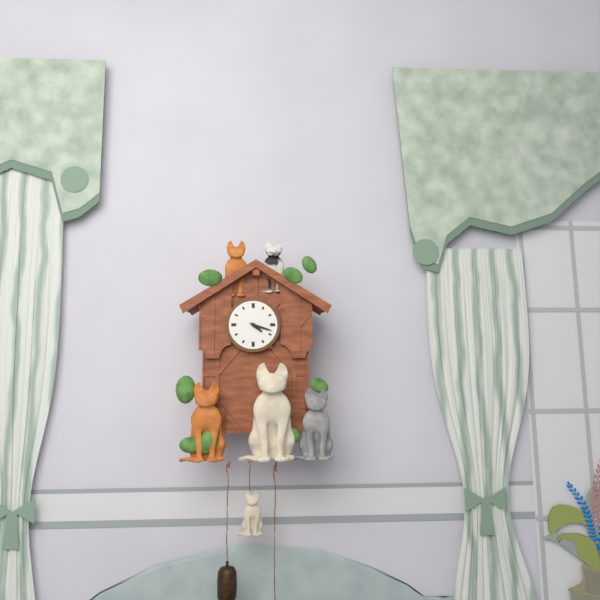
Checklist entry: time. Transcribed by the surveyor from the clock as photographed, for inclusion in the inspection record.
4:18
